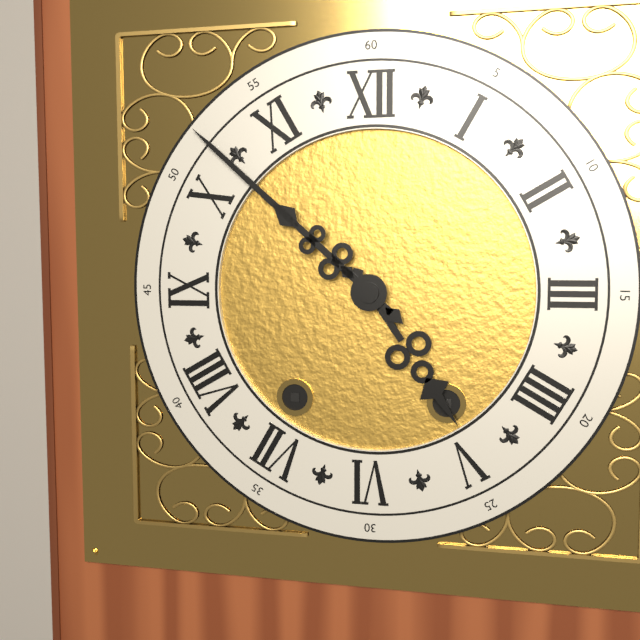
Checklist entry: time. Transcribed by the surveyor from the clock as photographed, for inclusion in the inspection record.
4:52
